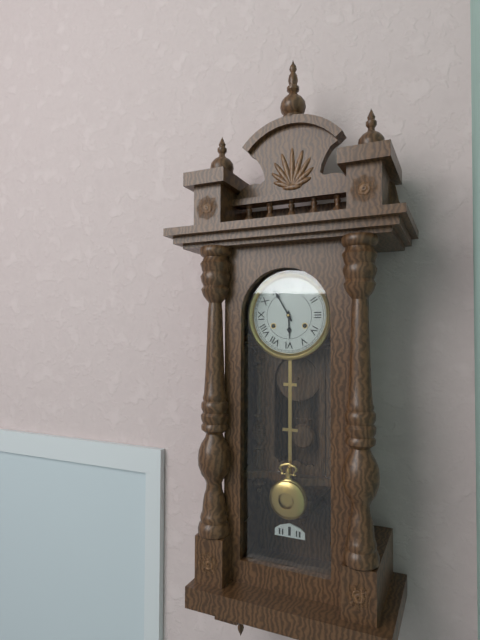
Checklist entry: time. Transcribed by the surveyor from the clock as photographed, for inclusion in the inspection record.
5:55
